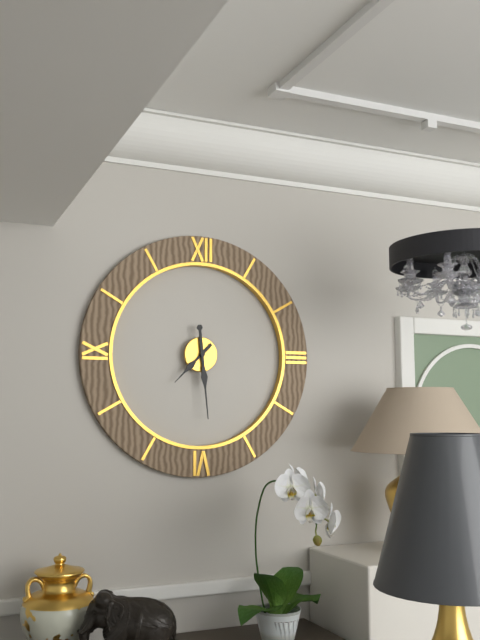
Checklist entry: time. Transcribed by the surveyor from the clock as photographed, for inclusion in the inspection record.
7:29
